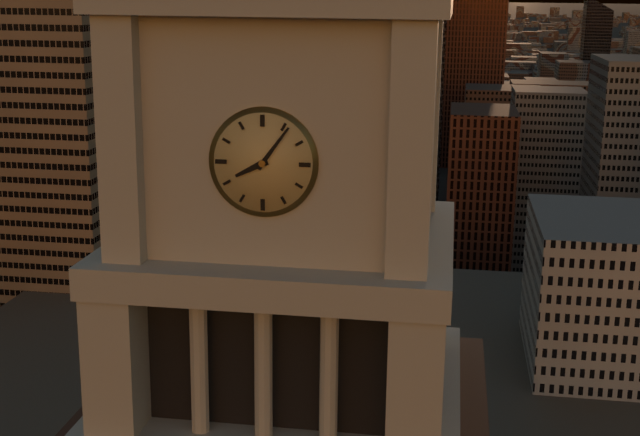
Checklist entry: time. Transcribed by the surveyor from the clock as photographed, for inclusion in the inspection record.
8:06
